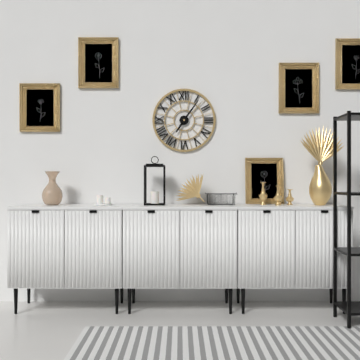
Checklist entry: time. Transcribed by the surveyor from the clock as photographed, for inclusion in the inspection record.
7:06
